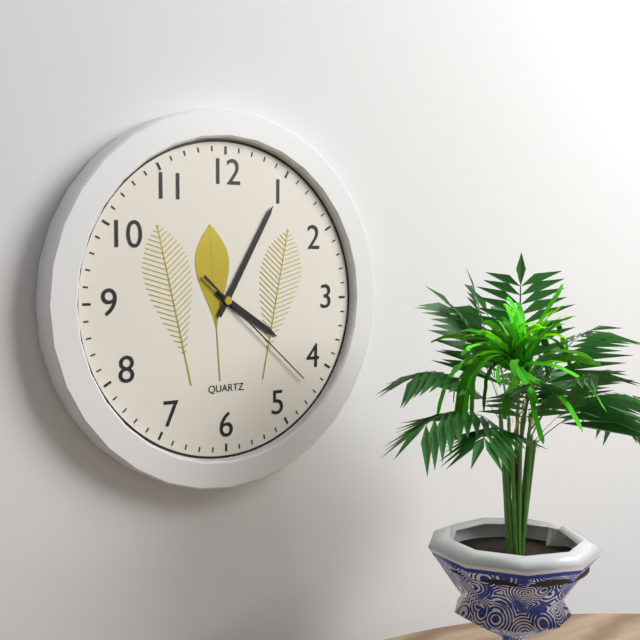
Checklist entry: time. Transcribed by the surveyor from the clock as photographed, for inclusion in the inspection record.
4:05:22
